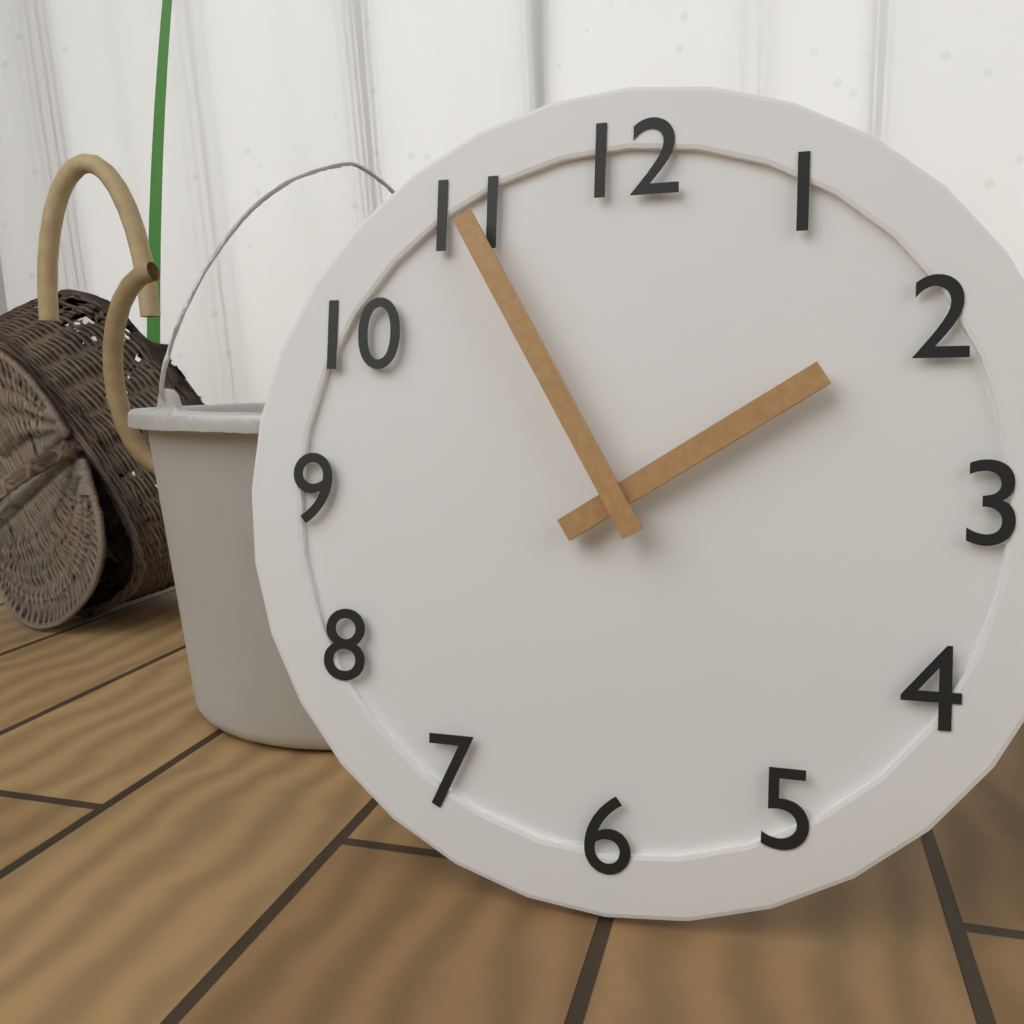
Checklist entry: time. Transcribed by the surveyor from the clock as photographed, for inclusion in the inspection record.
1:55
